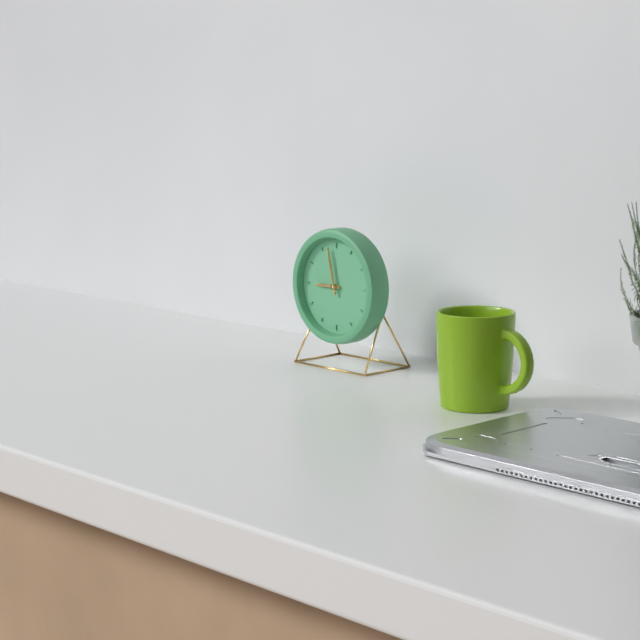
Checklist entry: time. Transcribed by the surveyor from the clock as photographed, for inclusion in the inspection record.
8:58
